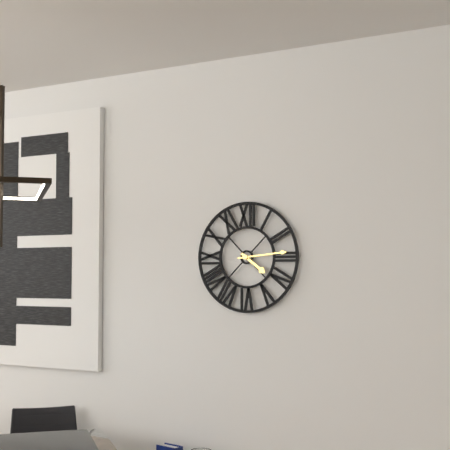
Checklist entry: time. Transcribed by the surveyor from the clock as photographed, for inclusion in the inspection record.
4:14
